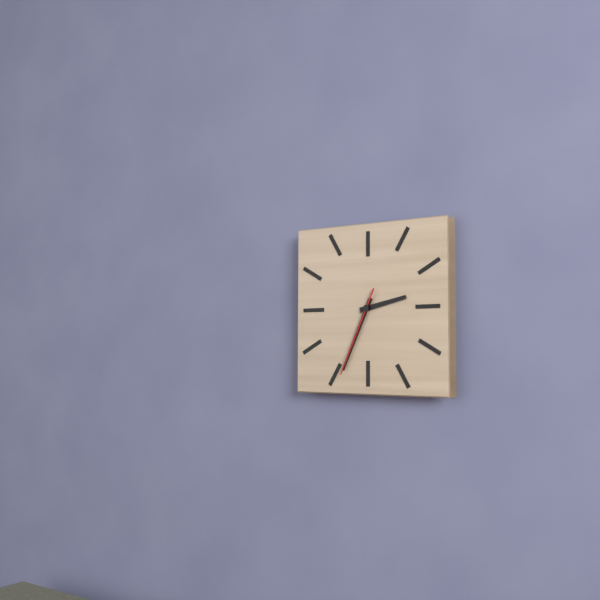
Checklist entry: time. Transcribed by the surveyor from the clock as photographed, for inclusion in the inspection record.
2:34:34
